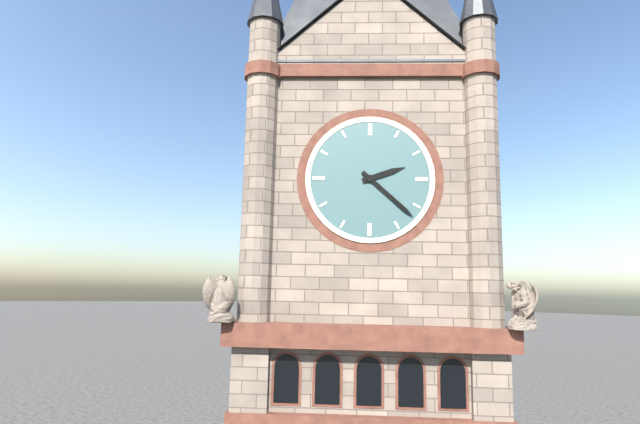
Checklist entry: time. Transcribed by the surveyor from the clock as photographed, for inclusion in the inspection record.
2:22
